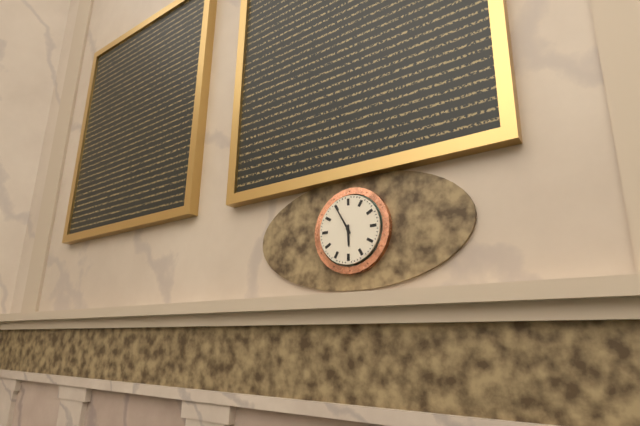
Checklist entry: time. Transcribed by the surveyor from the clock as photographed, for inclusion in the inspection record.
5:55
